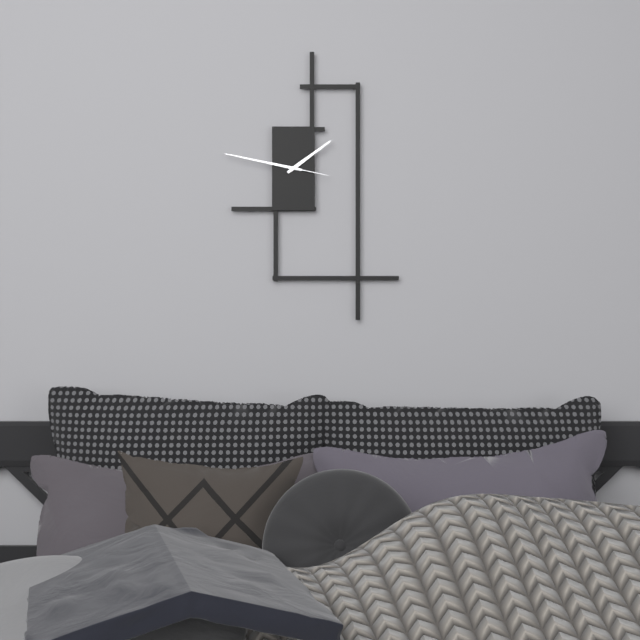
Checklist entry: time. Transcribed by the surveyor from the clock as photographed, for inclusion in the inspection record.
1:47
